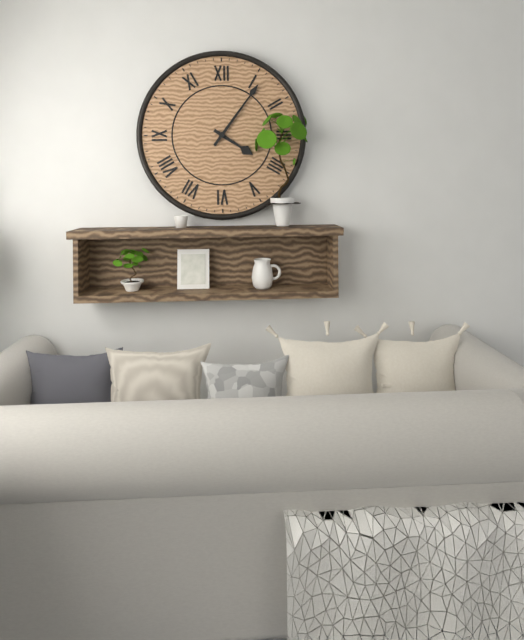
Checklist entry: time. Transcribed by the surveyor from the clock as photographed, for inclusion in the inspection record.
4:06
